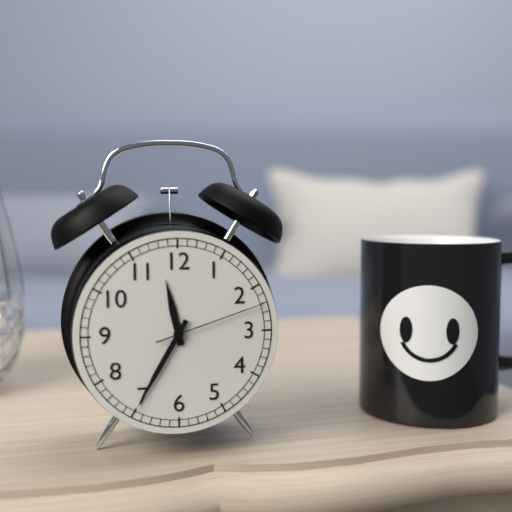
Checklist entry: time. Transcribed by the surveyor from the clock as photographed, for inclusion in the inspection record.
11:35:12
